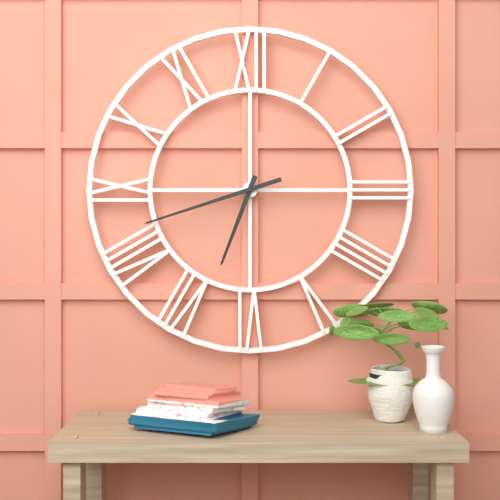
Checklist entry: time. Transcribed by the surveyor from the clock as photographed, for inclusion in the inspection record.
6:42
